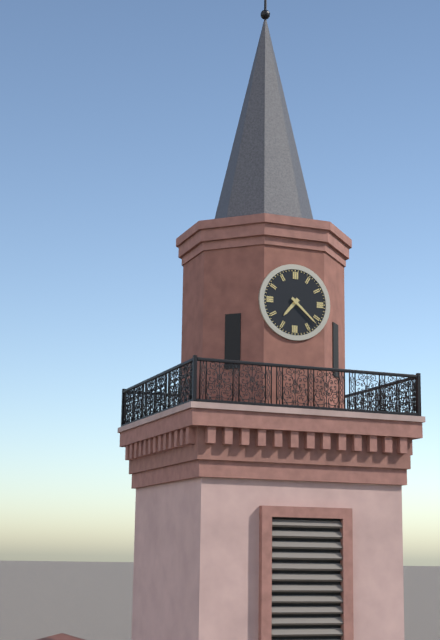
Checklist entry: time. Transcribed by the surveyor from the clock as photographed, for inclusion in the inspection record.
7:22
